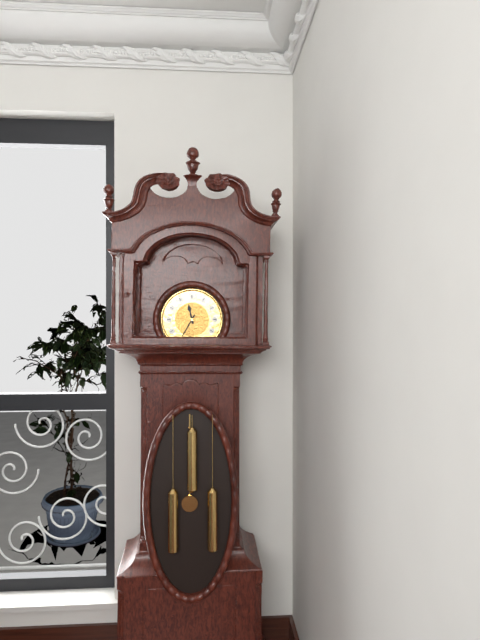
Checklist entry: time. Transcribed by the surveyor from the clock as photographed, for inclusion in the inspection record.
11:35
